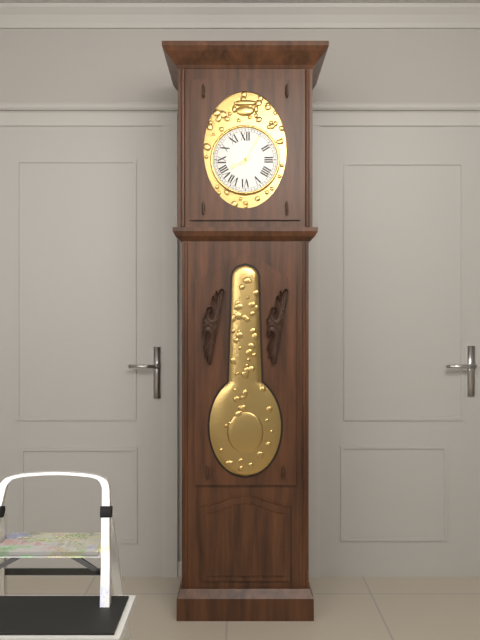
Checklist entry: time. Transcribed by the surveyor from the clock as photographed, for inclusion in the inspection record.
8:05
